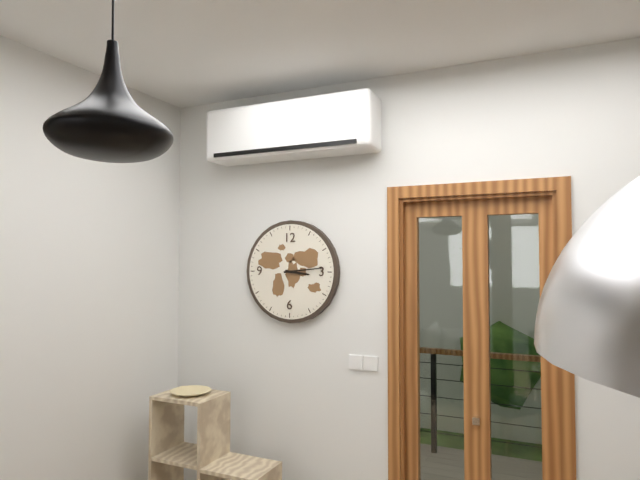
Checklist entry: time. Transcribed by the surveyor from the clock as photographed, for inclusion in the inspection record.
3:14
